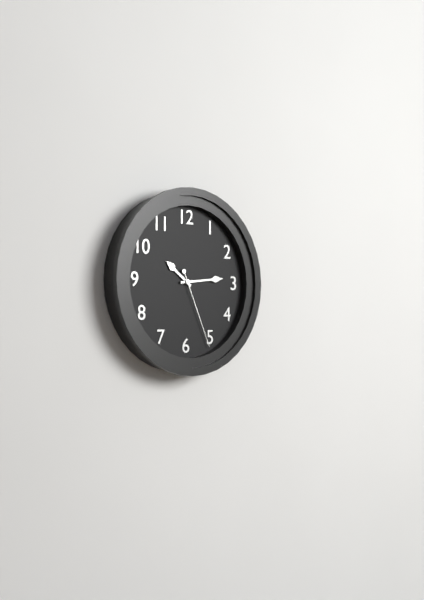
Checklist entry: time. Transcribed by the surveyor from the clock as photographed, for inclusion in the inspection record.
10:14:26
